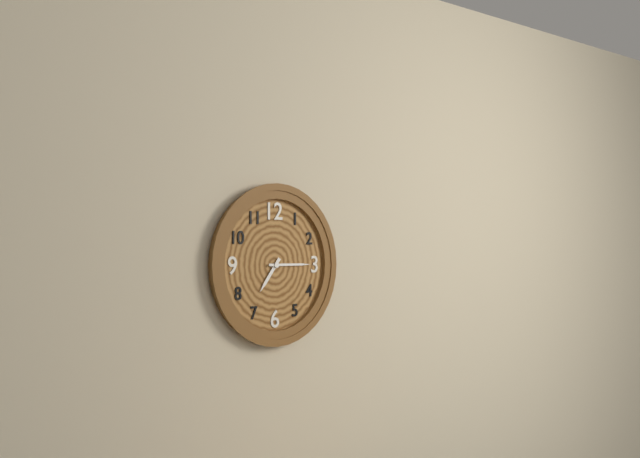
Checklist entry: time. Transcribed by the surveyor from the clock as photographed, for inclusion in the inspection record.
7:15
